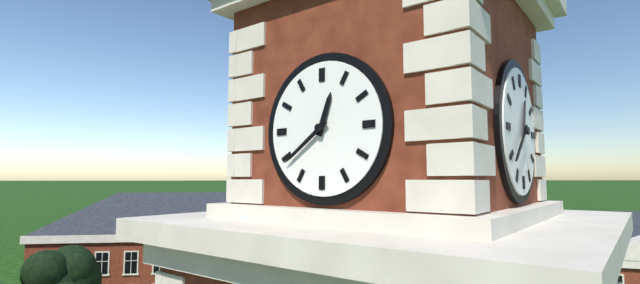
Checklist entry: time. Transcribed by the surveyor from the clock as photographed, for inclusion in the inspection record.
12:39
